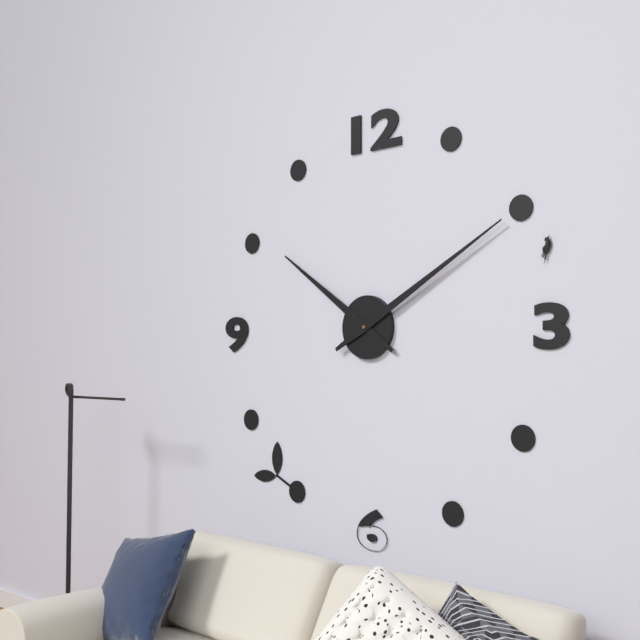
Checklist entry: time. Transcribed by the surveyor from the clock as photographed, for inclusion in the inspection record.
10:10
